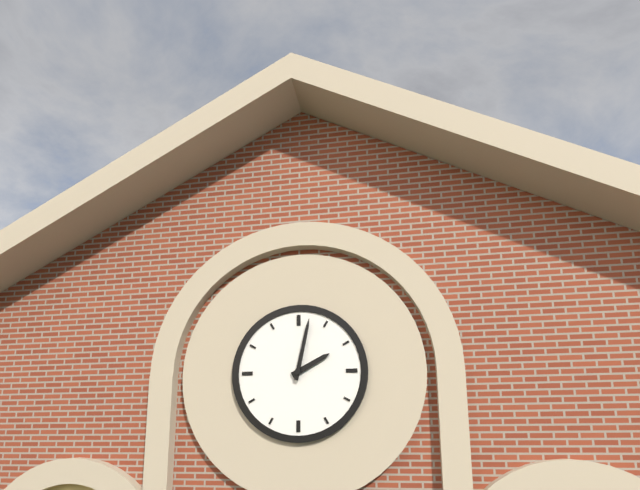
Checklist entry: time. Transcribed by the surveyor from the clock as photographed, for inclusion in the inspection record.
2:02
